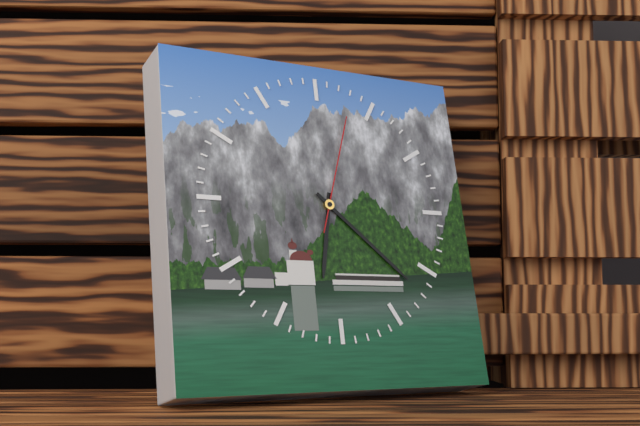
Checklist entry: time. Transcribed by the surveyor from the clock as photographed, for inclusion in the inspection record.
6:22:03
